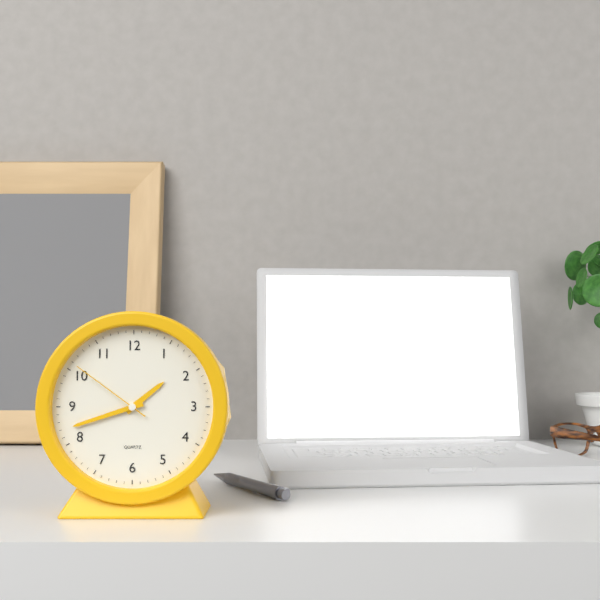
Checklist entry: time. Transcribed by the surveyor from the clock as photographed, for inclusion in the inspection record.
1:42:51
